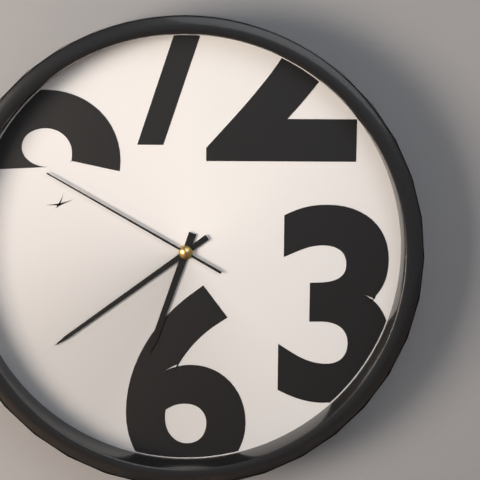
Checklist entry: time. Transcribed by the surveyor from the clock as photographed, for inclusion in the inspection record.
6:39:50
